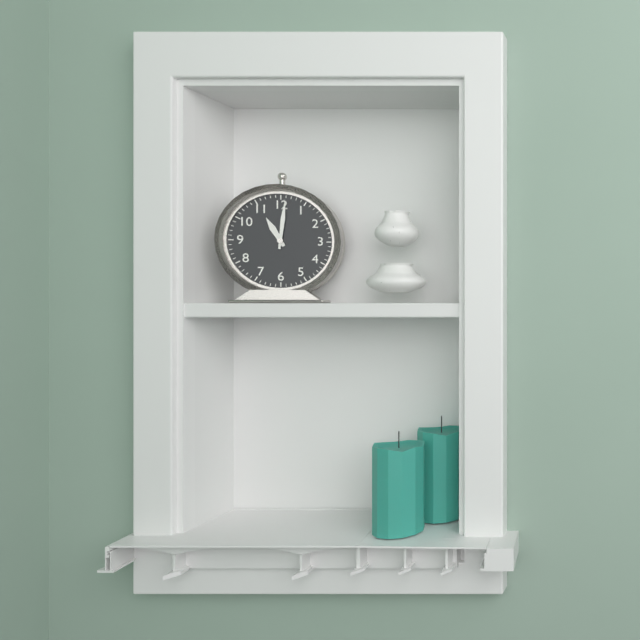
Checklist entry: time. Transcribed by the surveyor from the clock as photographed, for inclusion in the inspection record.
11:01
